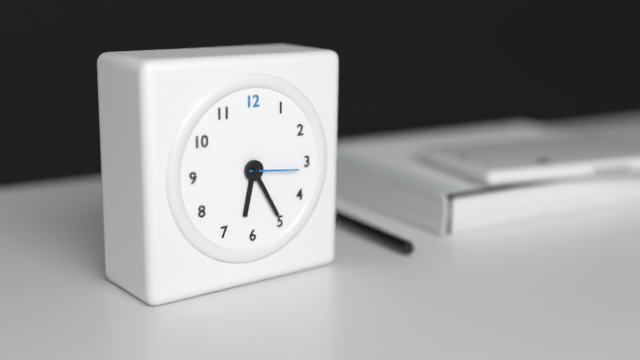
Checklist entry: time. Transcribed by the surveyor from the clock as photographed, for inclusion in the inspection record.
6:25:16
